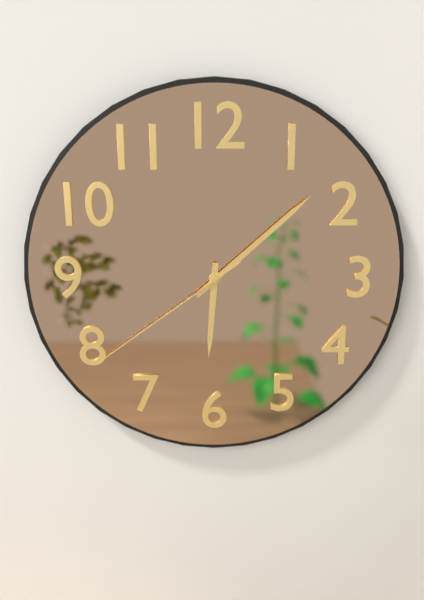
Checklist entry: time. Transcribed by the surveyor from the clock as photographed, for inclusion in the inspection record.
6:08:39
